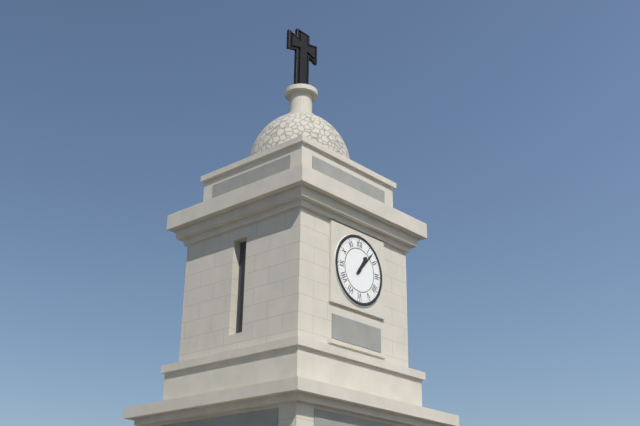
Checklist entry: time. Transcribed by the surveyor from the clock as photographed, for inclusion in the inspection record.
1:07
